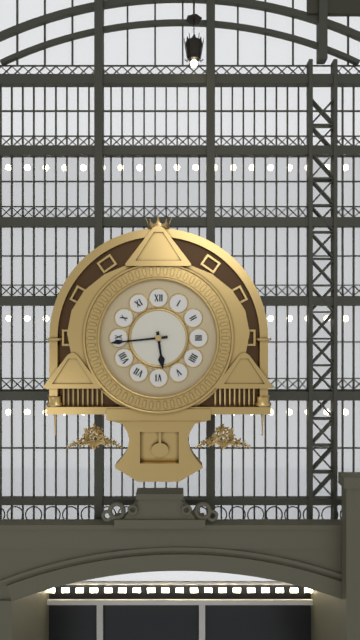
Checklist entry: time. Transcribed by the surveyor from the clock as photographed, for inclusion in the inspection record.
5:44
